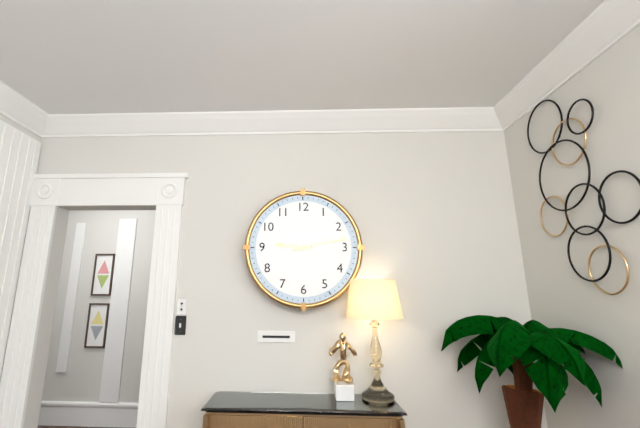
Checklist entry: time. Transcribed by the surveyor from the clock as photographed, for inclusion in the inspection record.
9:13
